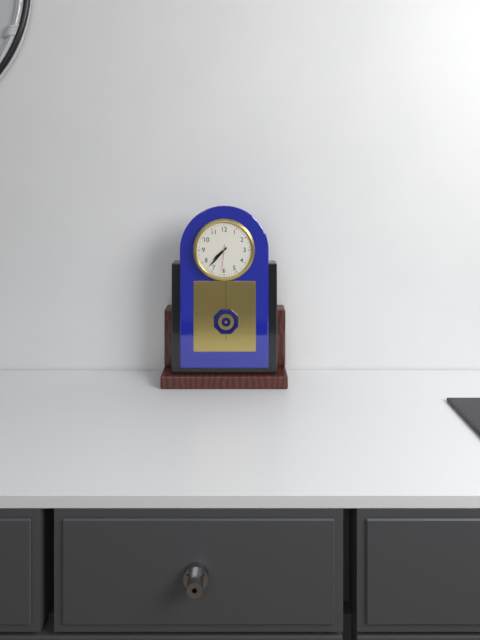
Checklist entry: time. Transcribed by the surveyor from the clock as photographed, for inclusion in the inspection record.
7:37
